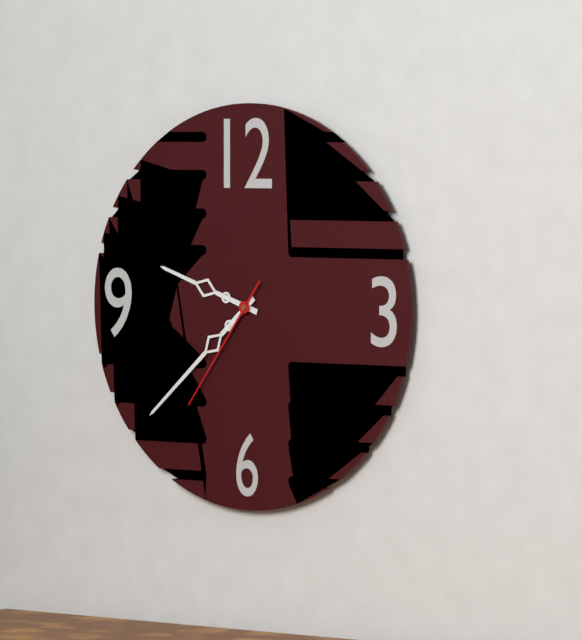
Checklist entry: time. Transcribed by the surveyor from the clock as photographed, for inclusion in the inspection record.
9:38:36
